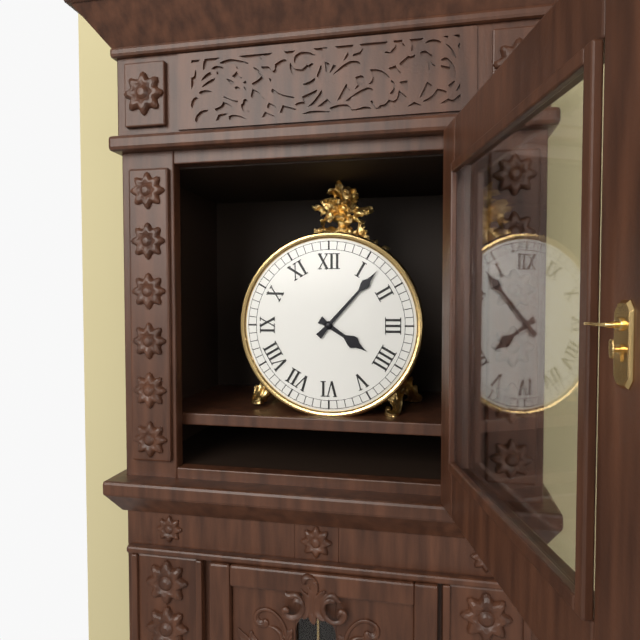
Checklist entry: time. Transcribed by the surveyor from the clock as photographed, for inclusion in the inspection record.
4:07
